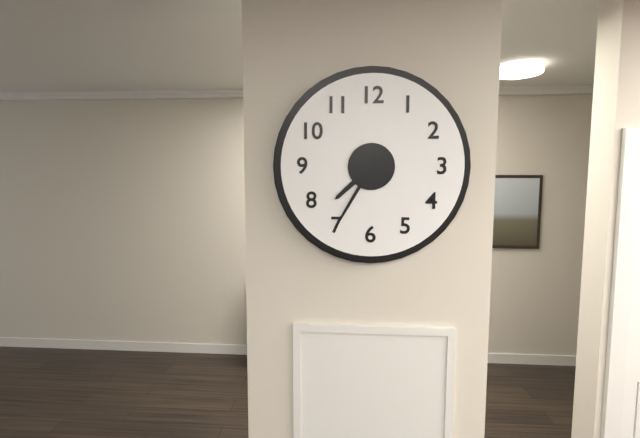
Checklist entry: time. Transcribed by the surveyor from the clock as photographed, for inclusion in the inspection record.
7:35
